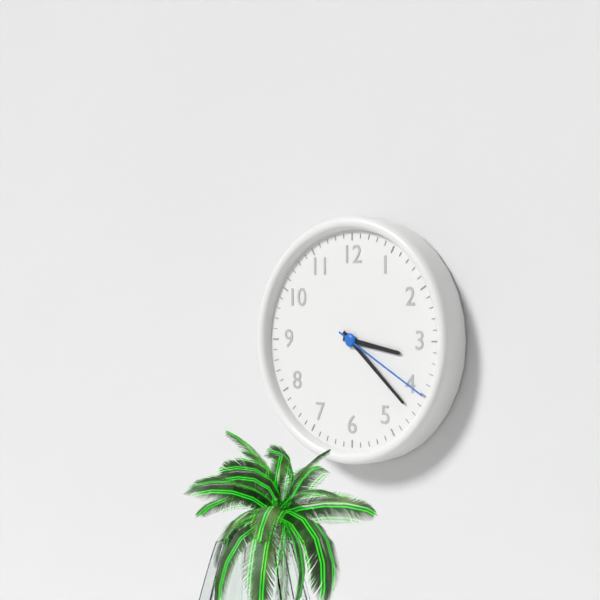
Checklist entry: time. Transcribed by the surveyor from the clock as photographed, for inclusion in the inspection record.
3:22:20
